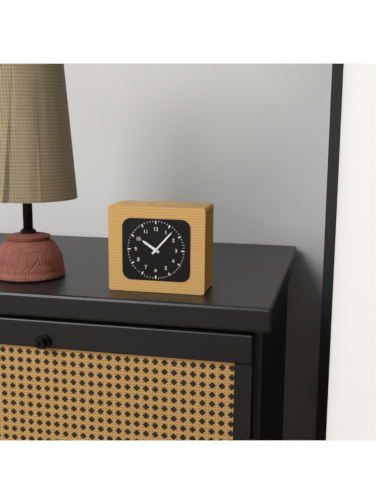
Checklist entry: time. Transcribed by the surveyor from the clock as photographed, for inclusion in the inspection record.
10:07
